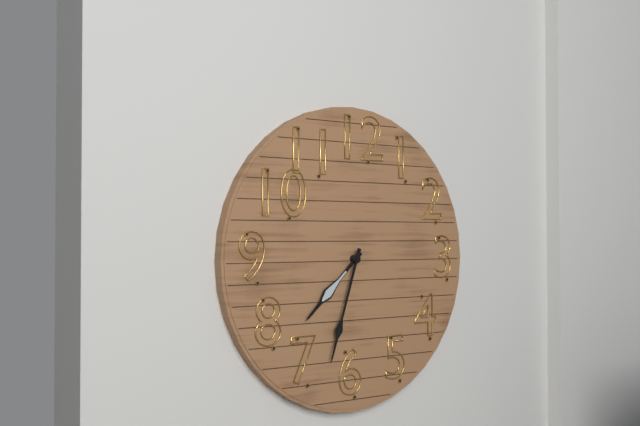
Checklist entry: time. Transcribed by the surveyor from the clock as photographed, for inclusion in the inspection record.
7:33
